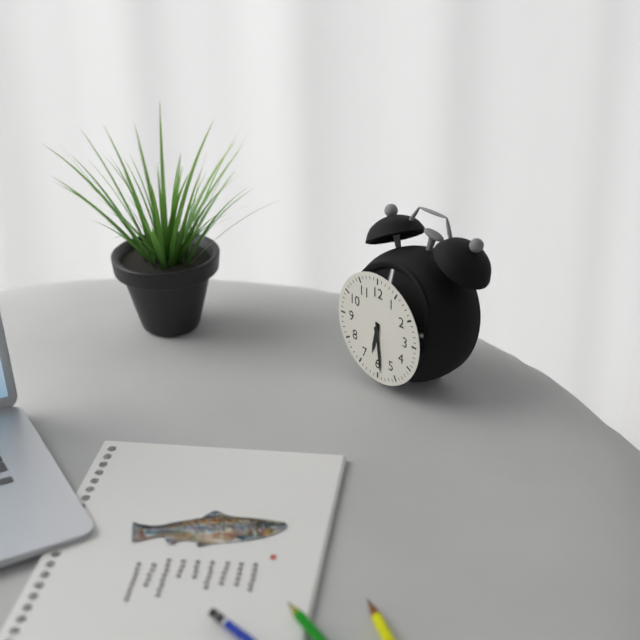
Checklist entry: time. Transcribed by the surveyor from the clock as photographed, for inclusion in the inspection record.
6:29
